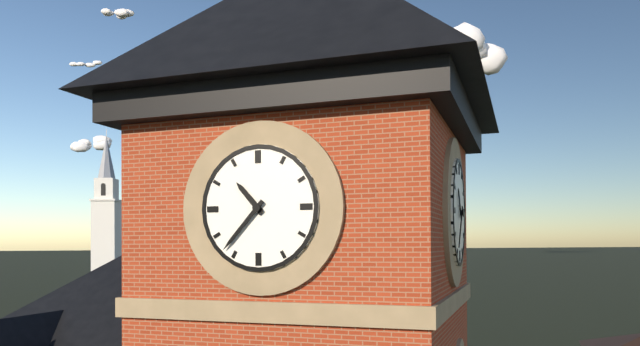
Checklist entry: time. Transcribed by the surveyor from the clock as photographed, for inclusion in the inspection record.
10:37
